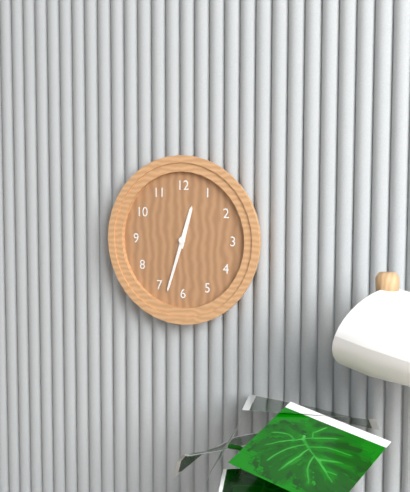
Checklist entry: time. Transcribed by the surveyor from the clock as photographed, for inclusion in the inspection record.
12:33
